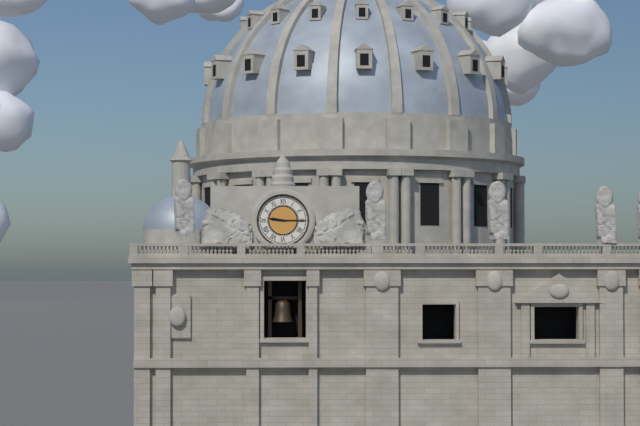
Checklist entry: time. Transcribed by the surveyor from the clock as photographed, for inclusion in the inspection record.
9:15
